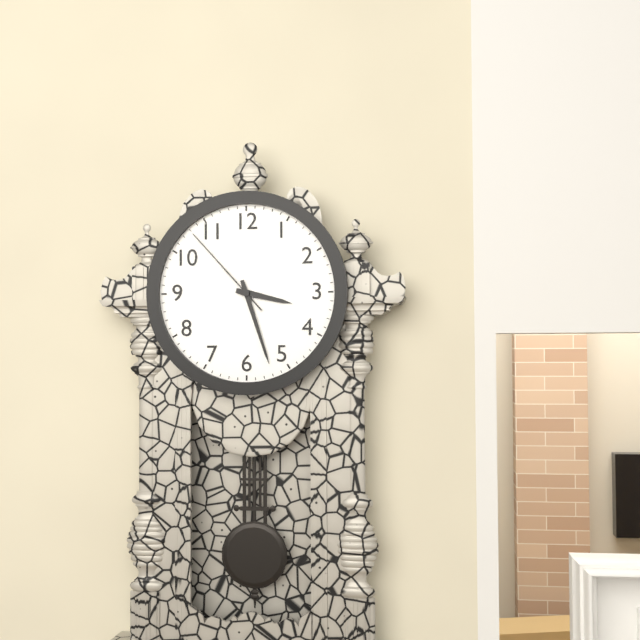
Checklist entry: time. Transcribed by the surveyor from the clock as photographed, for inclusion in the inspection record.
3:27:53
